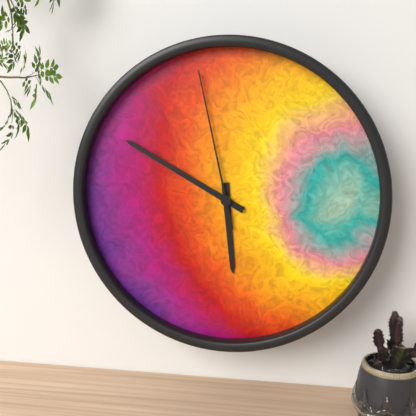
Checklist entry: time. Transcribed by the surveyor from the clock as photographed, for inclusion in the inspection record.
5:50:58
